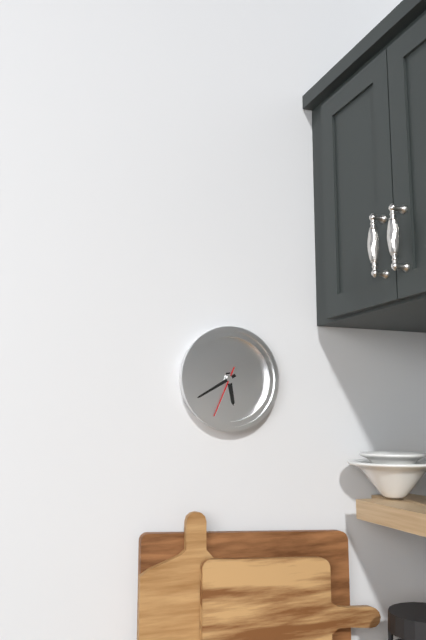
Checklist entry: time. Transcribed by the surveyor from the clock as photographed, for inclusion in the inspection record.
5:40:34
